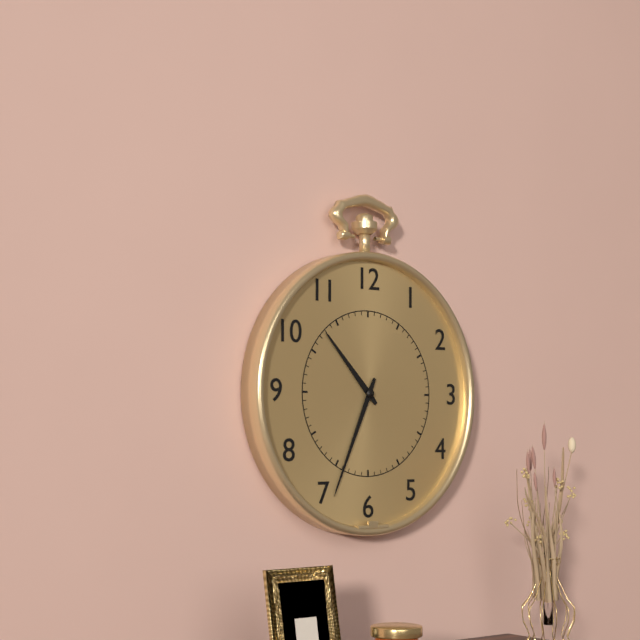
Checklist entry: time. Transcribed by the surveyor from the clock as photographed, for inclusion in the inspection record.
10:34
